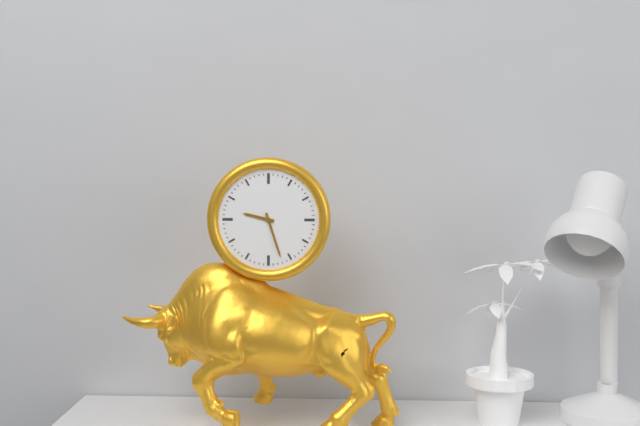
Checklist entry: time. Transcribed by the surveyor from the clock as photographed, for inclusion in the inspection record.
9:27
